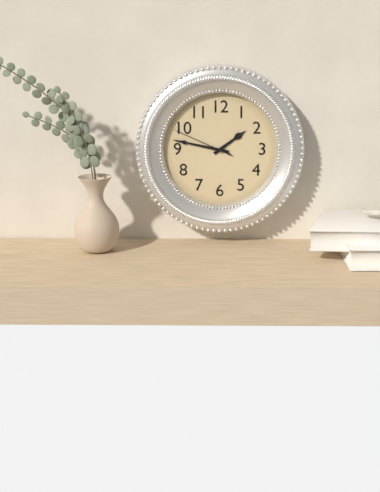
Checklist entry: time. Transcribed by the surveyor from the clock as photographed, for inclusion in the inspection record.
1:47:49
